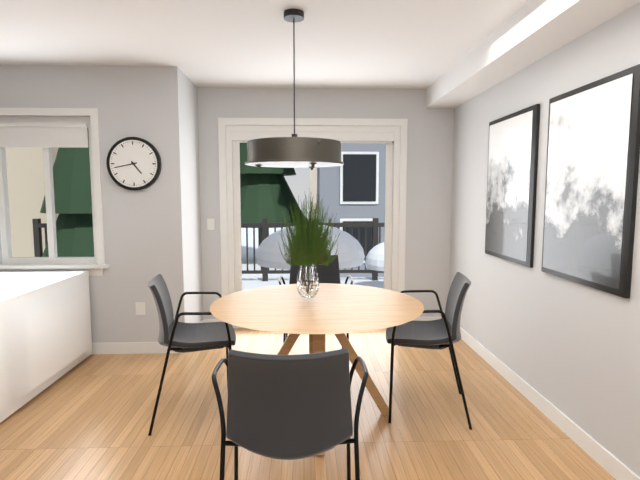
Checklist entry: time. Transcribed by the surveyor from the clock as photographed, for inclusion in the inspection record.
4:43
